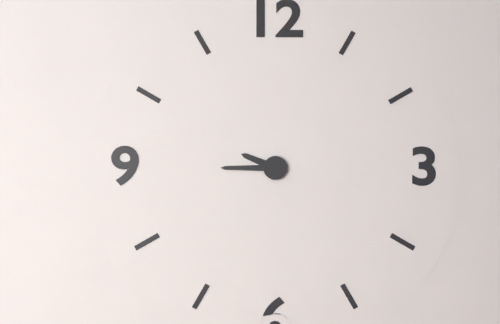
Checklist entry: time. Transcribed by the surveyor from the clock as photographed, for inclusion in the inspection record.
9:45
